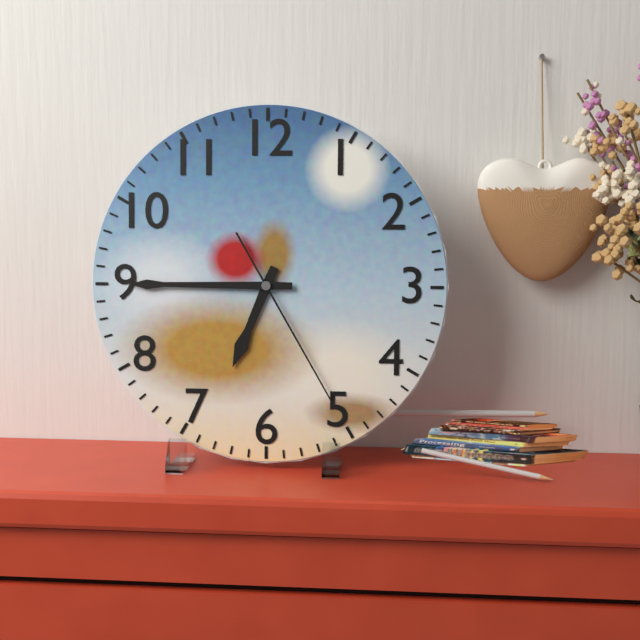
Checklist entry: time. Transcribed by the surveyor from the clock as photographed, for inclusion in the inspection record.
6:45:25
